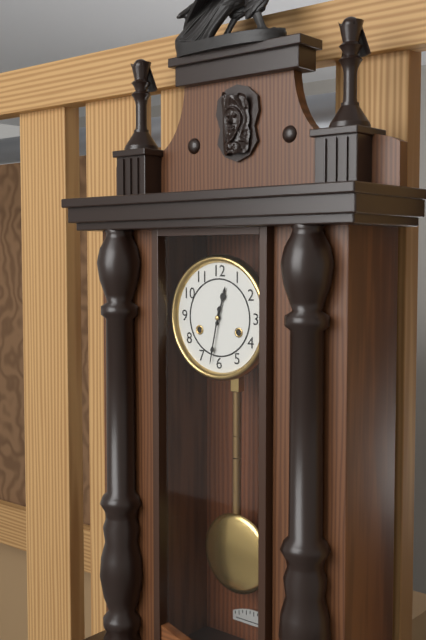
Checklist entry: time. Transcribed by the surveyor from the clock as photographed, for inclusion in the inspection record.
12:32
